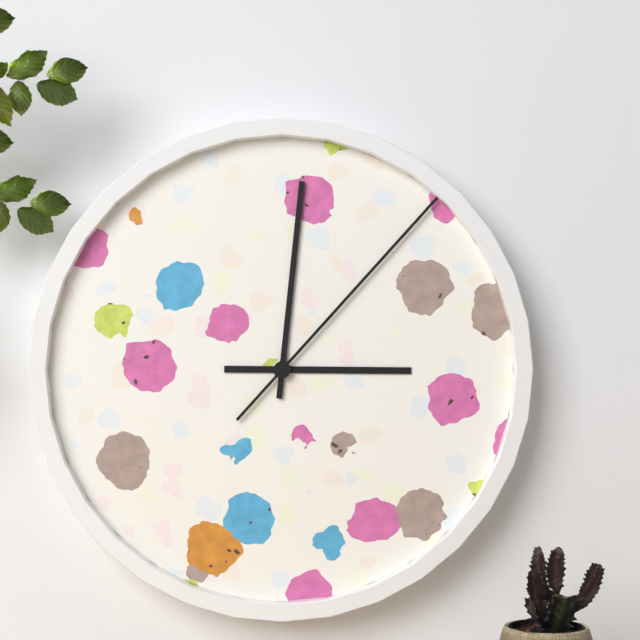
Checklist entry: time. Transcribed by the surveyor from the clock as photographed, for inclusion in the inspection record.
3:01:07
